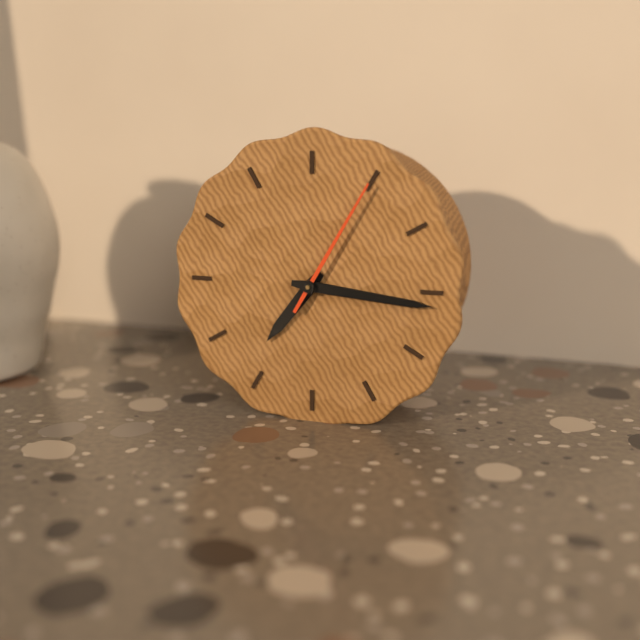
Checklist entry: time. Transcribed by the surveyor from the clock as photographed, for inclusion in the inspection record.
7:16:05
